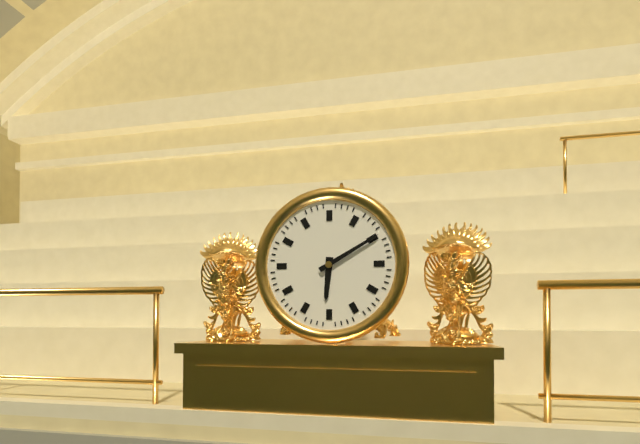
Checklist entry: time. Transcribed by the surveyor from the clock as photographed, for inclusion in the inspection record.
6:10
